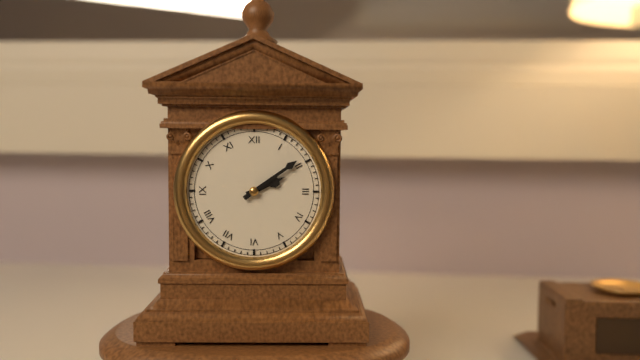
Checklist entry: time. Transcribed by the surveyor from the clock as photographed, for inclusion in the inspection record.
2:09
